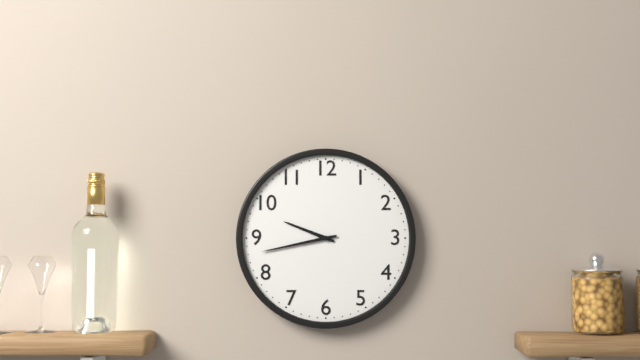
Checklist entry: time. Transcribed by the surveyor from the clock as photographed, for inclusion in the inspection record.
9:43
